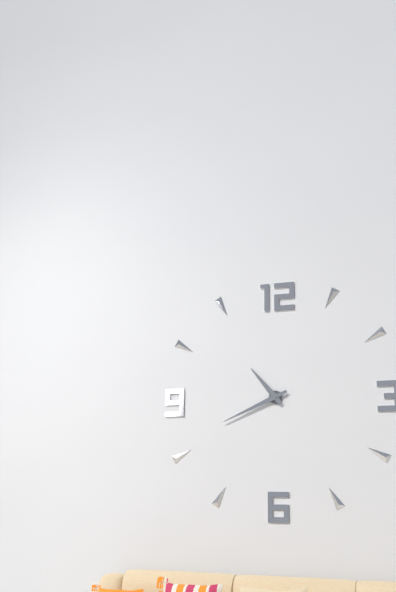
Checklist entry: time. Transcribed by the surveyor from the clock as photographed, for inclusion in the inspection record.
10:41
